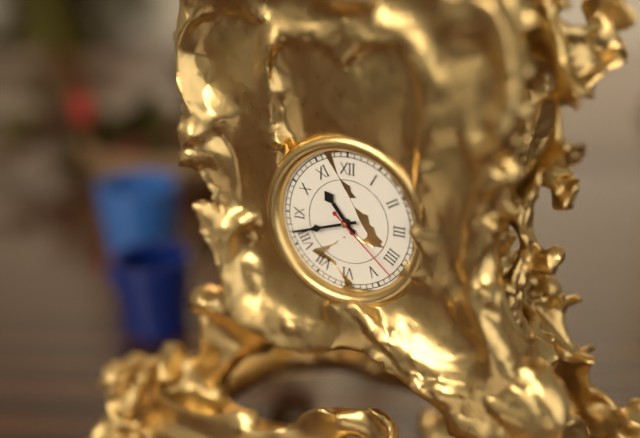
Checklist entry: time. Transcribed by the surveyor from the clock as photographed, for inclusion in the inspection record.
10:42:22
